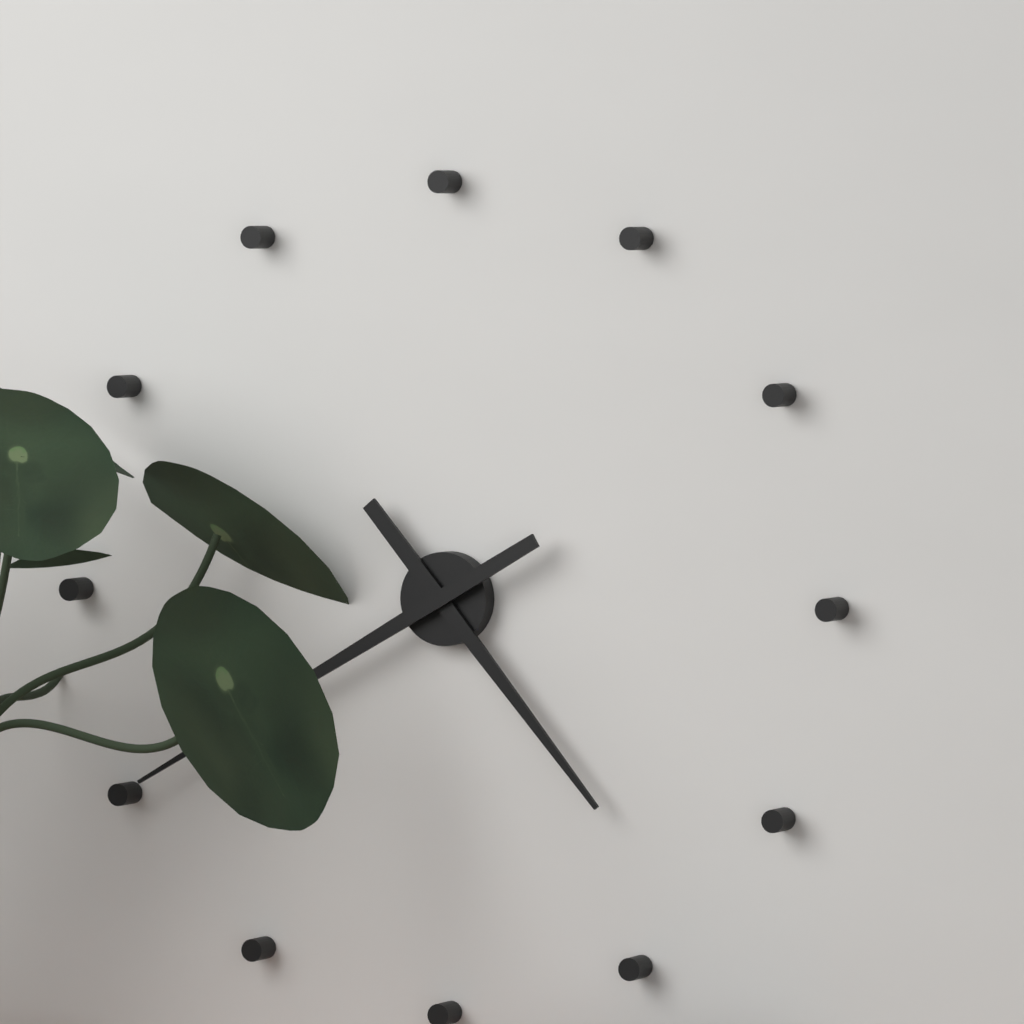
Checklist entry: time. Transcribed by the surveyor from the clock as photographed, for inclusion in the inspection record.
4:40
